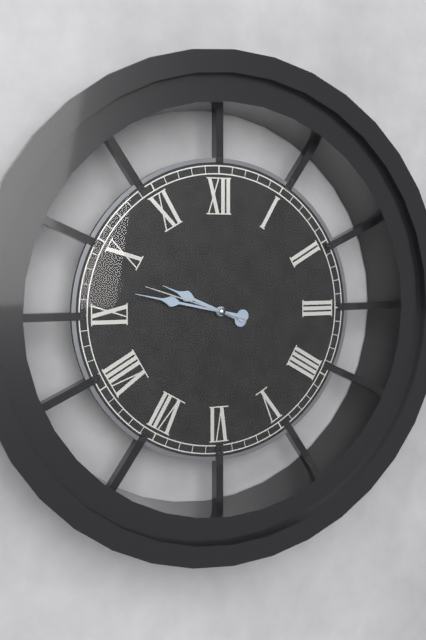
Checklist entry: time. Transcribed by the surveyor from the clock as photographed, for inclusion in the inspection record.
9:47:48
